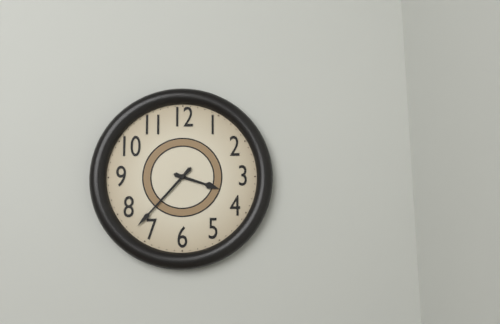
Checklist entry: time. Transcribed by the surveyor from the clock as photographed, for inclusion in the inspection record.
3:37
